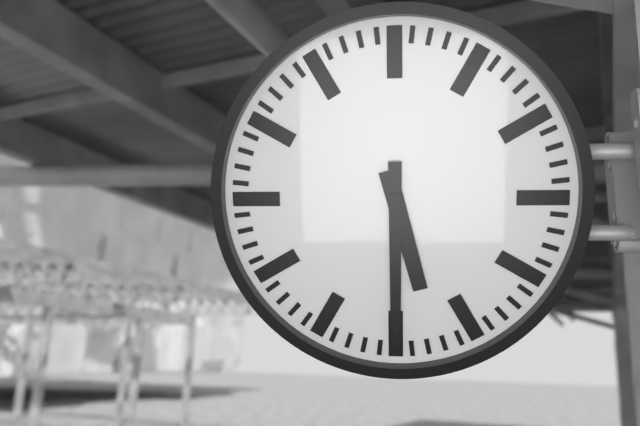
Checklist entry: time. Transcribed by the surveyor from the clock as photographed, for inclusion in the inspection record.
5:30
